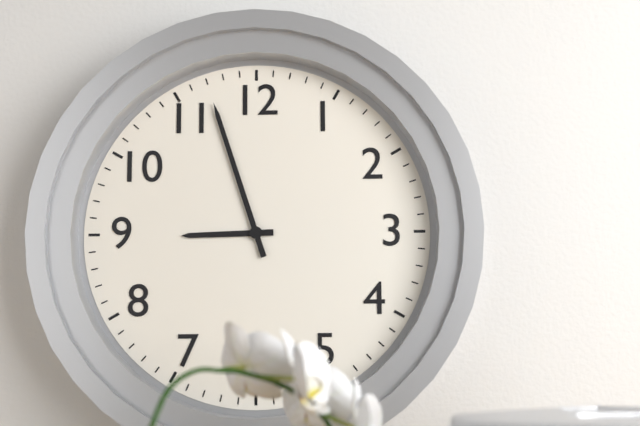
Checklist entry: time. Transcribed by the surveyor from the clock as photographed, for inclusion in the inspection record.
8:57
